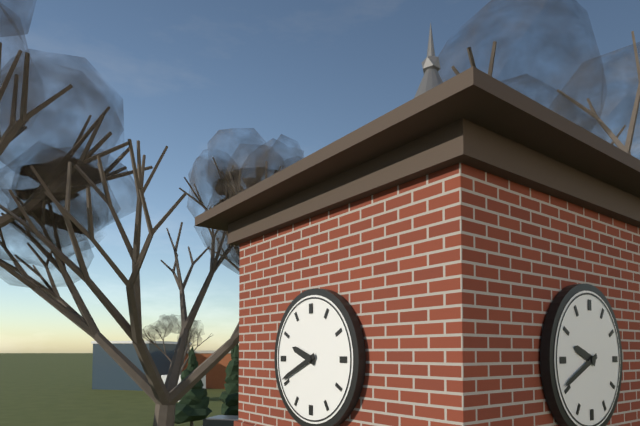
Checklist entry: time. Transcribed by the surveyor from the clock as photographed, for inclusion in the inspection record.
9:41
